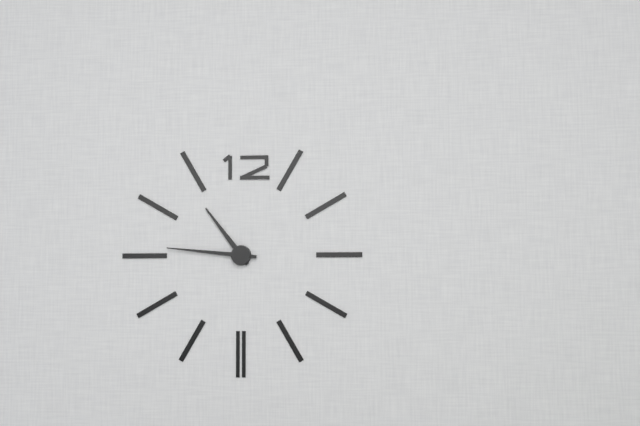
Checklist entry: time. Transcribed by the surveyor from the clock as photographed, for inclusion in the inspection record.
10:46
